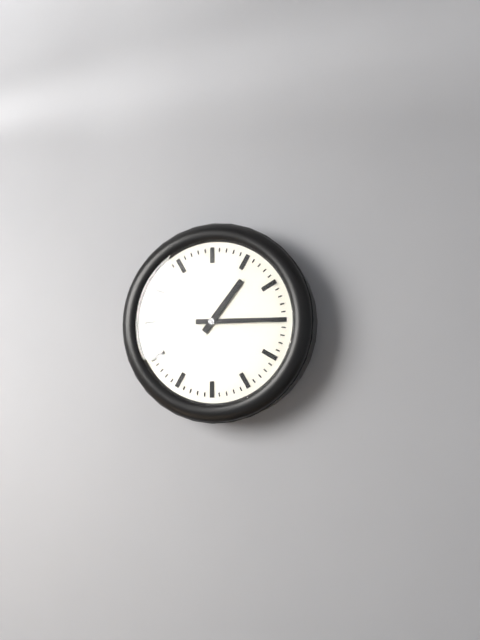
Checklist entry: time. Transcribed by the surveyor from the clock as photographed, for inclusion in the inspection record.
1:15
